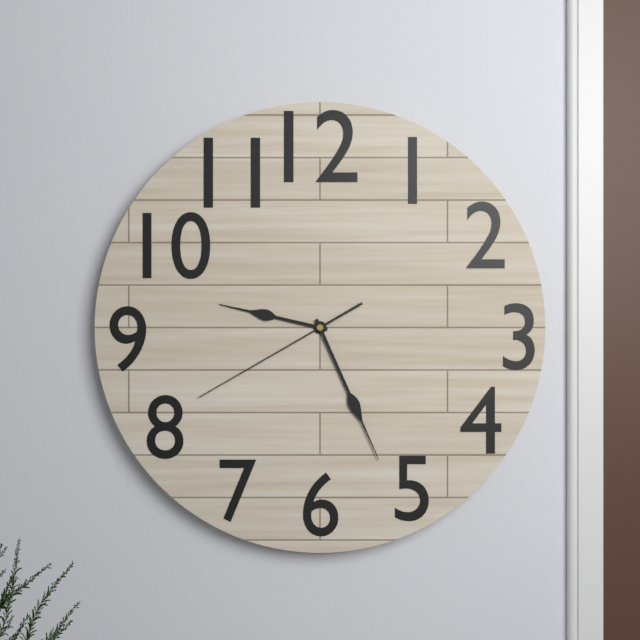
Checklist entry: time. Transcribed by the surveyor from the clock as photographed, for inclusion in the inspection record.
9:26:40
